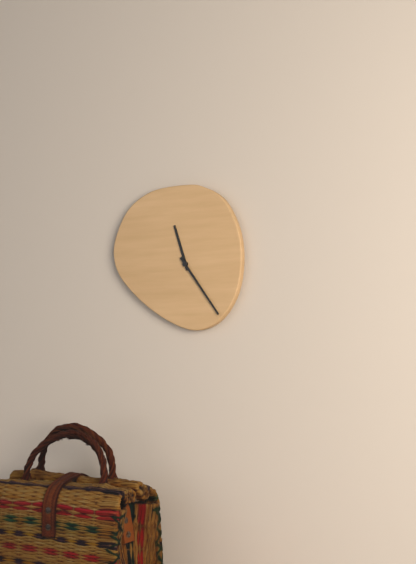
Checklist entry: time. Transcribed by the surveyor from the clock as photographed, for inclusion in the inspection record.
11:24
